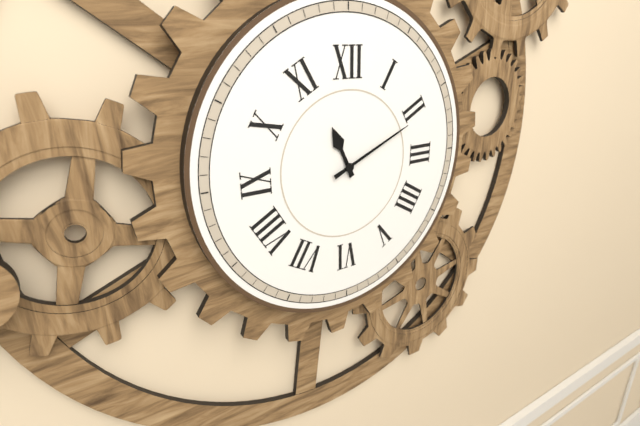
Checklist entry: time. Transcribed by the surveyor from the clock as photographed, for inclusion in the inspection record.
11:11
